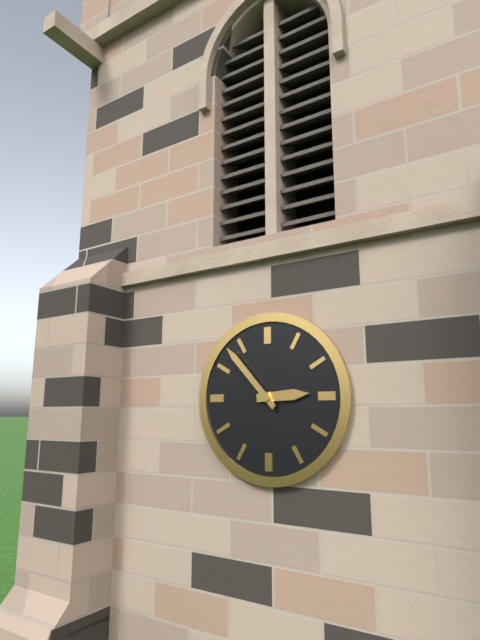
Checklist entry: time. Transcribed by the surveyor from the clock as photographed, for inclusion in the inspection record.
2:53
